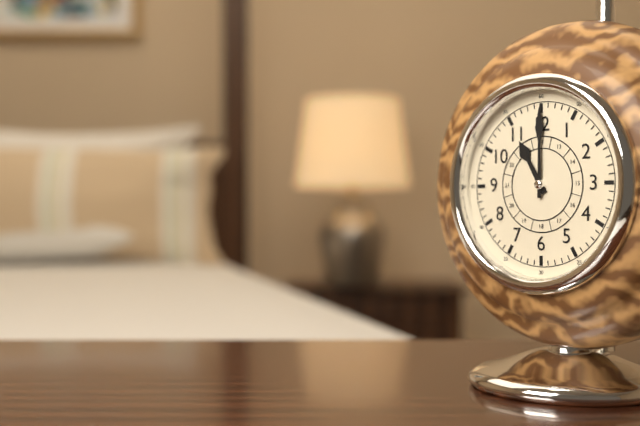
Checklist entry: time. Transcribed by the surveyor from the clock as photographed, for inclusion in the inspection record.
11:00
